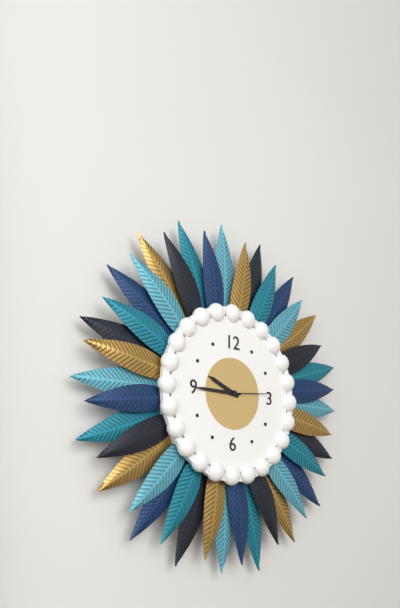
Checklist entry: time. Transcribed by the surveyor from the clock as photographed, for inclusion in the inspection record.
9:45
